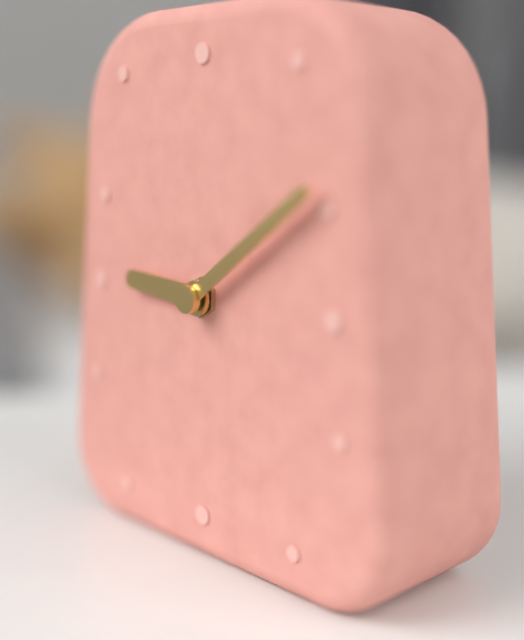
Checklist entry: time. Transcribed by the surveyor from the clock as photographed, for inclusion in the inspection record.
9:09
